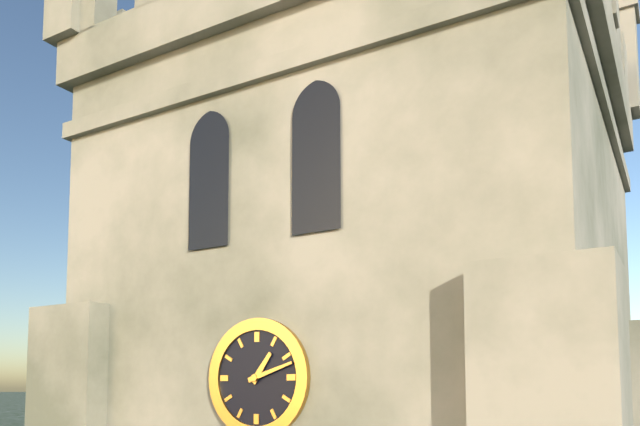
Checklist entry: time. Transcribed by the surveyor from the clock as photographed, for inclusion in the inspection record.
1:12
